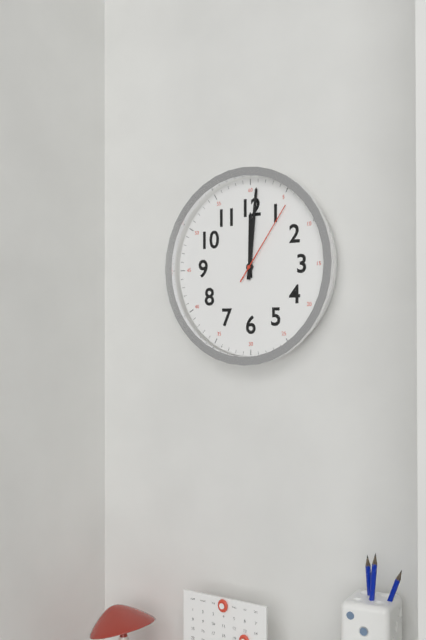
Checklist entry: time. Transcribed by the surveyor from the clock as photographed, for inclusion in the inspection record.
12:01:06
